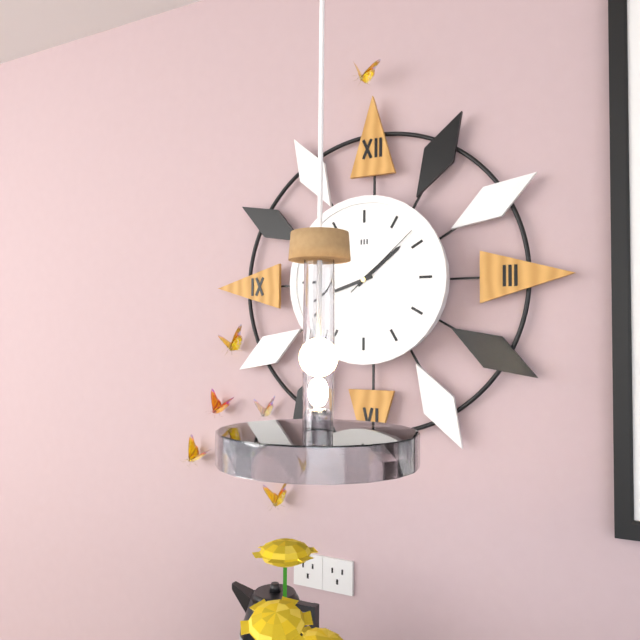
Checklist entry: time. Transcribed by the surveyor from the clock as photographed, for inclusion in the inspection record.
1:42:08
